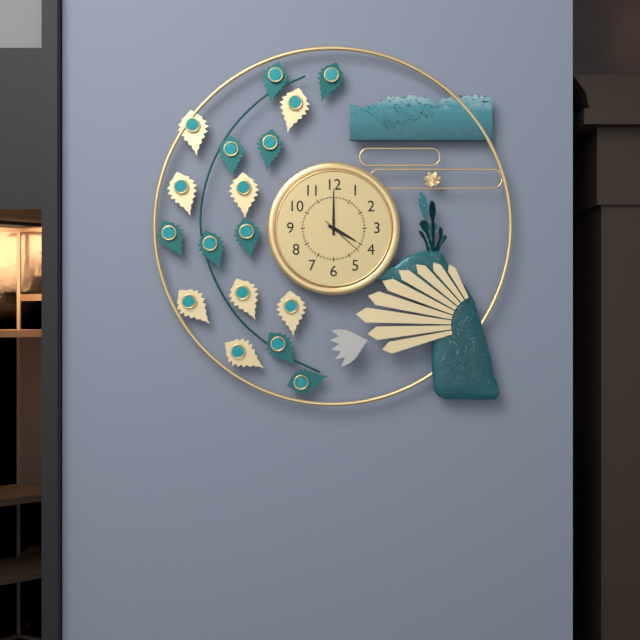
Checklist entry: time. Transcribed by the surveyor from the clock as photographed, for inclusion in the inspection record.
4:00
